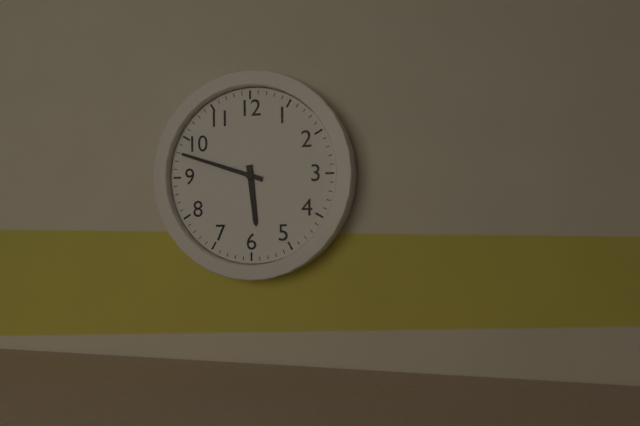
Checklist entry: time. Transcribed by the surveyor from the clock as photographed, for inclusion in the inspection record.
5:48
